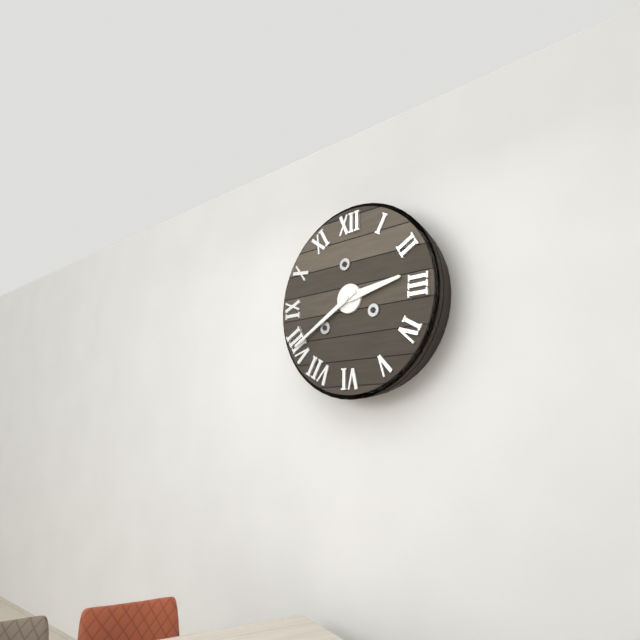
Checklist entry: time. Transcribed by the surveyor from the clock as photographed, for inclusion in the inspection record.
2:40
